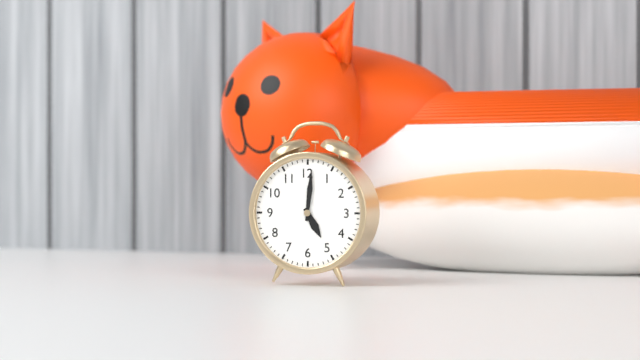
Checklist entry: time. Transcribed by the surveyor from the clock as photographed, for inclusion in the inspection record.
5:01
